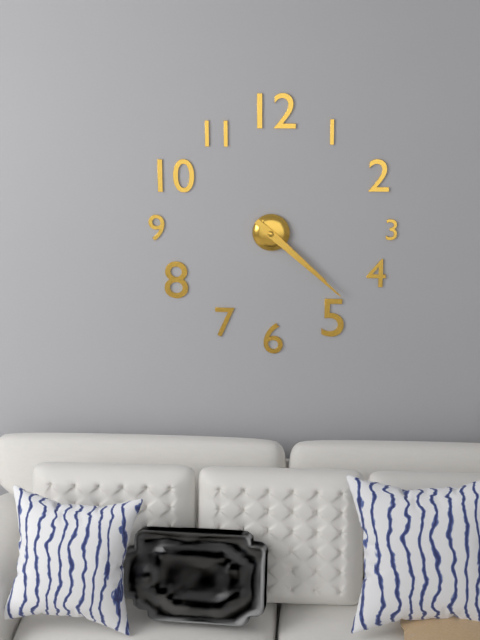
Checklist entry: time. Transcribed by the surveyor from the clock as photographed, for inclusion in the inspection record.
4:22
